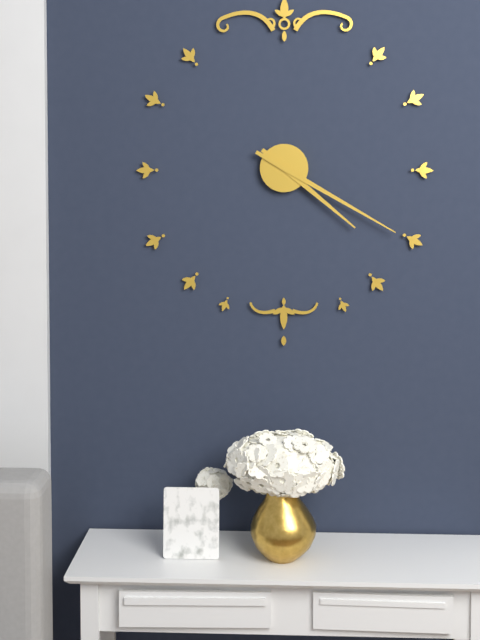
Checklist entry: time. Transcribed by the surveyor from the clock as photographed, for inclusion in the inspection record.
4:20
